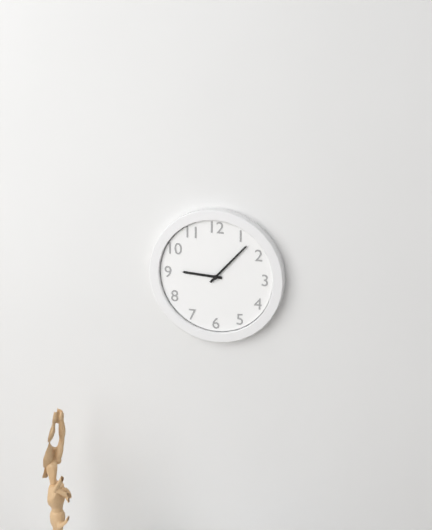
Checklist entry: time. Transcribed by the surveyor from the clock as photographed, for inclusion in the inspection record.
9:07
